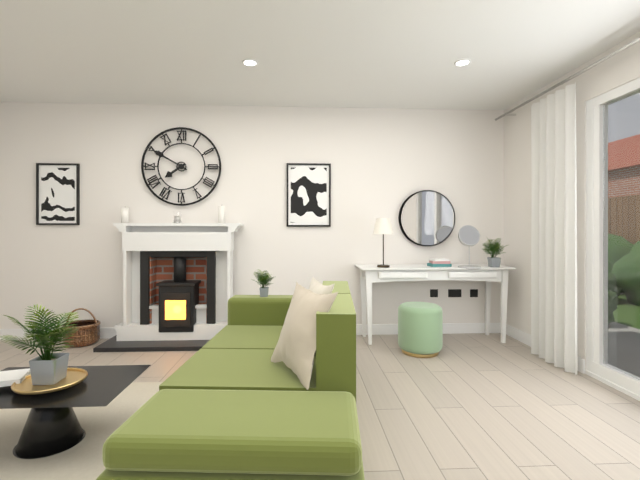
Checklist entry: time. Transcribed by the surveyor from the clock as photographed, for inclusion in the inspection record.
7:50
